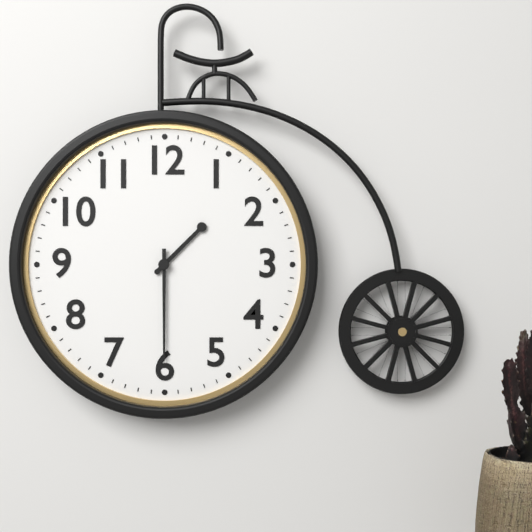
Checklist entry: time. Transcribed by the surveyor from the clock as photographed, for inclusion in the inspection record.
1:30
